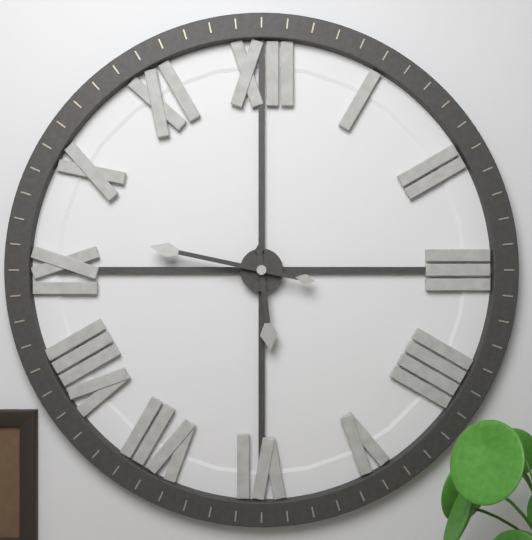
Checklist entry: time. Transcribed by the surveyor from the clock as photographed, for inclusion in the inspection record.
5:47
